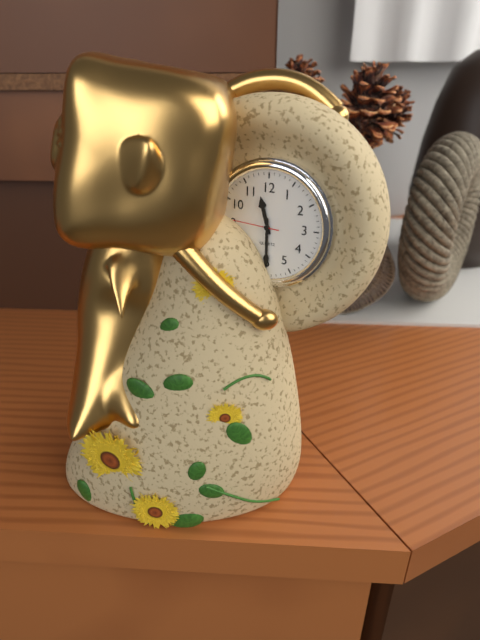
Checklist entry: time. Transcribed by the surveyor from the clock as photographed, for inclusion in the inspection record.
11:30:46
